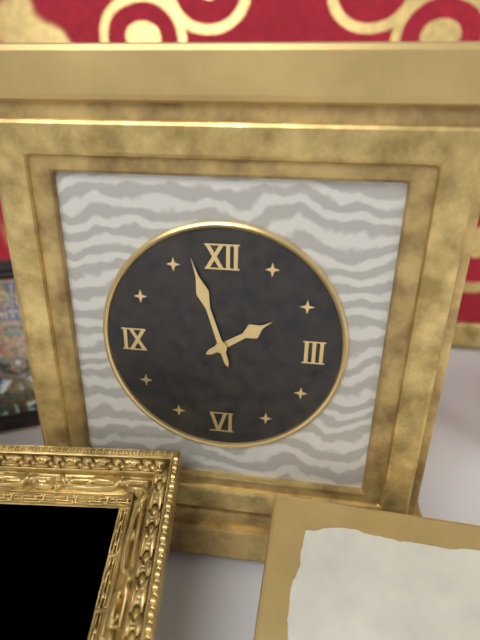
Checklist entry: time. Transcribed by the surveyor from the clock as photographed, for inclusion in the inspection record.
1:57
